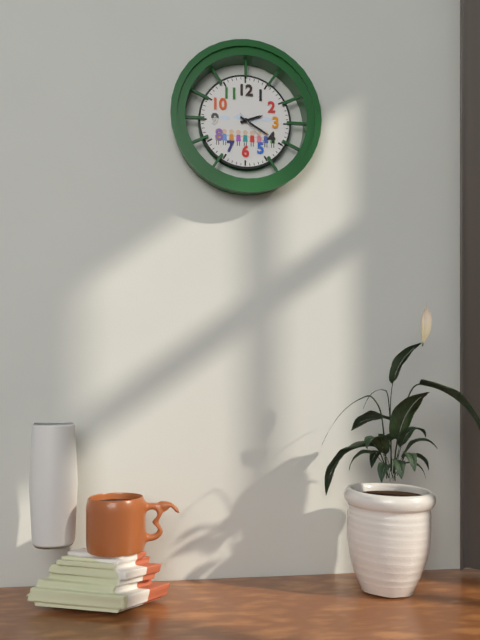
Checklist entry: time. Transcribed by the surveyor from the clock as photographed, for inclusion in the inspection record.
2:20
